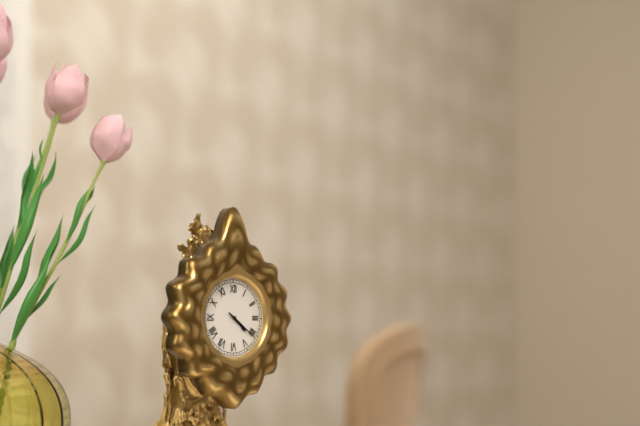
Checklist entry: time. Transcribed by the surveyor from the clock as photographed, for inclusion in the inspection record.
4:21
